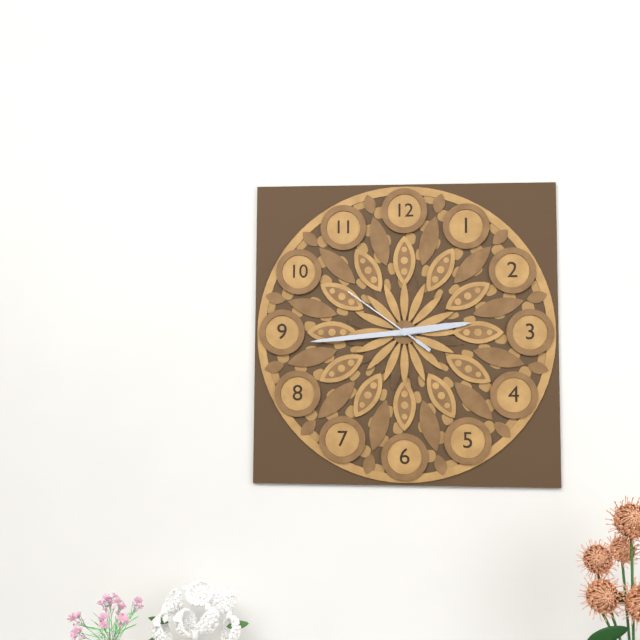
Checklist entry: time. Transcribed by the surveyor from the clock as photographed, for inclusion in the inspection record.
2:44:51
